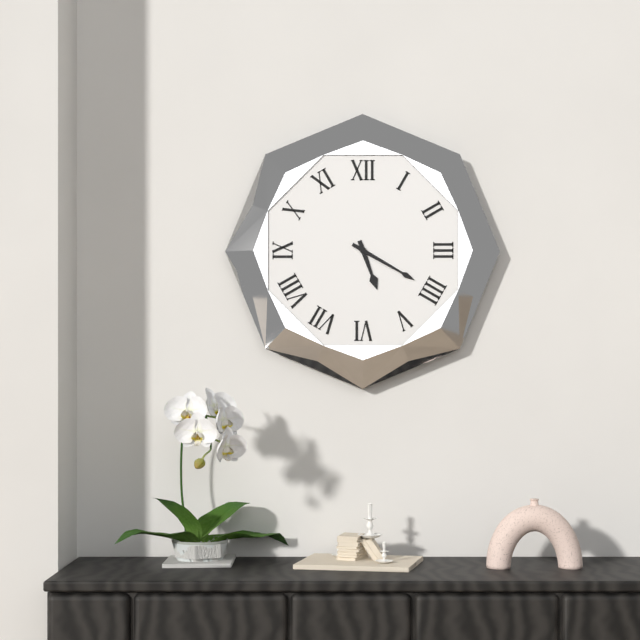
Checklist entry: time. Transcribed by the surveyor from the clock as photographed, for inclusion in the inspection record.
5:20
